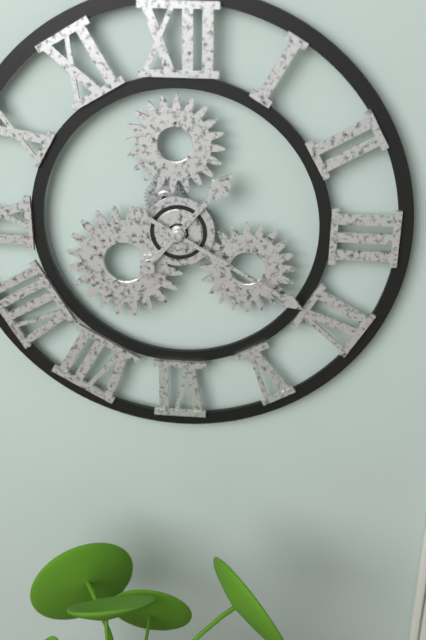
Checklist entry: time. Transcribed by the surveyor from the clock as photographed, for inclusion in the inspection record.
1:20
